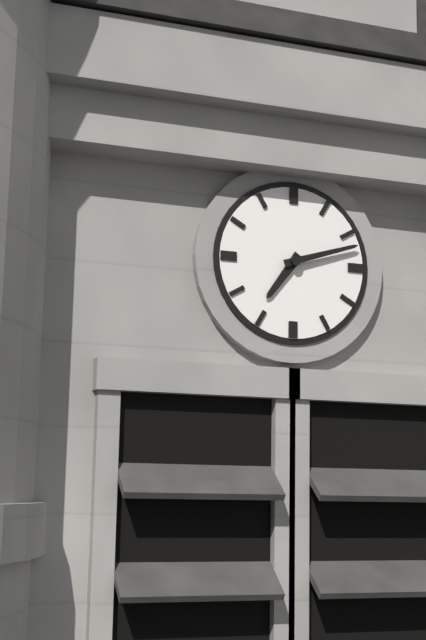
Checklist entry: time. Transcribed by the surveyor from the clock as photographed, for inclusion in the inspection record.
7:12
